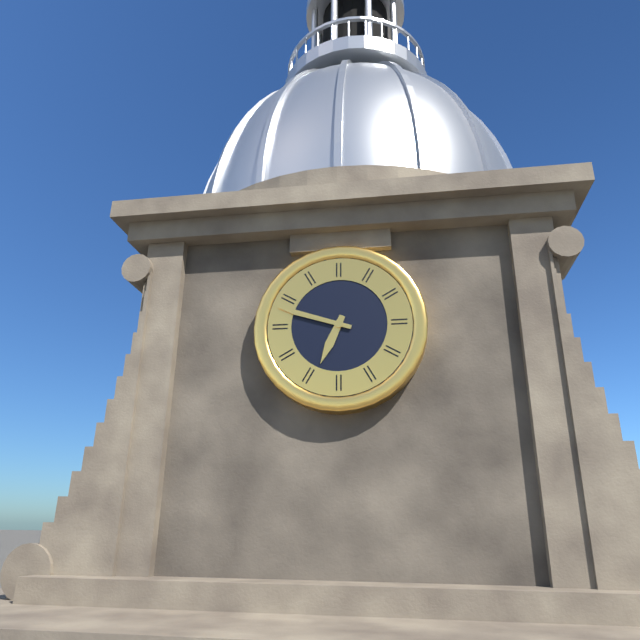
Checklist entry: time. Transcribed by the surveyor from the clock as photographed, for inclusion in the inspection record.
6:48
